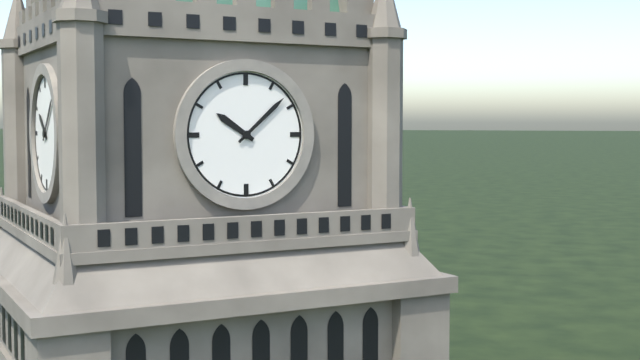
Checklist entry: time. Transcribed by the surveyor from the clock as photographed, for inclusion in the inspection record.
10:08
